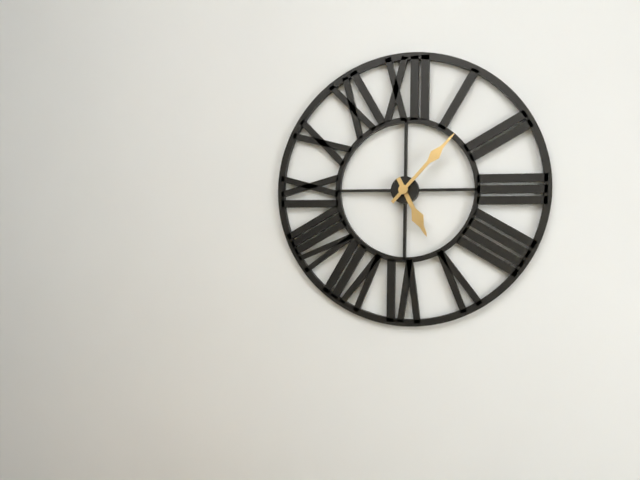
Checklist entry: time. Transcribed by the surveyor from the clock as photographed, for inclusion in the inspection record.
5:07
